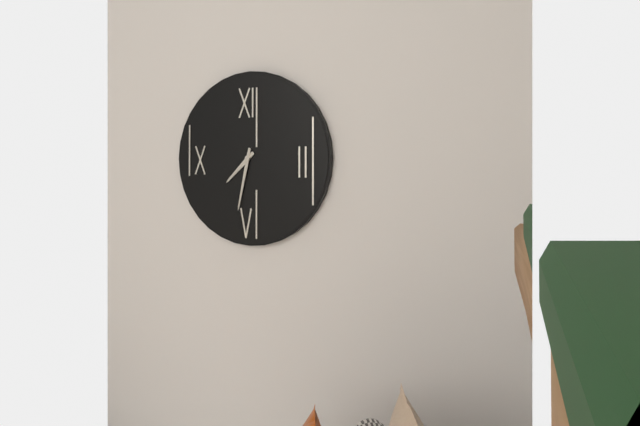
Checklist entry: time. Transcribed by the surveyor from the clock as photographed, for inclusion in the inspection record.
7:32
